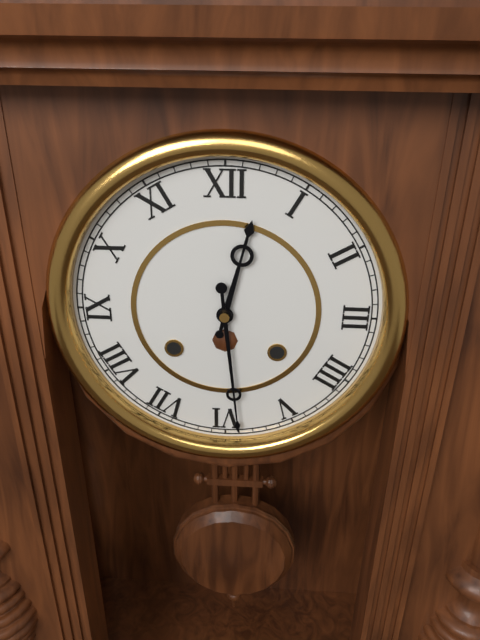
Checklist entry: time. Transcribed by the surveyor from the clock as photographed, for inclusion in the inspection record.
12:29
